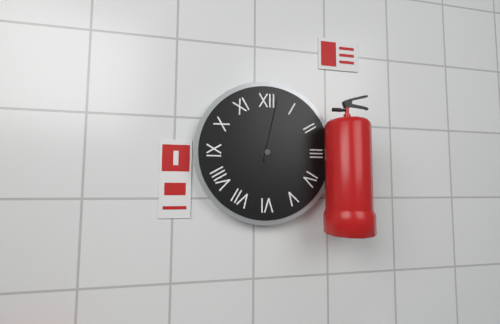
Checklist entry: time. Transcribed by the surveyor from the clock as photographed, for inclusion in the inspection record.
2:02
